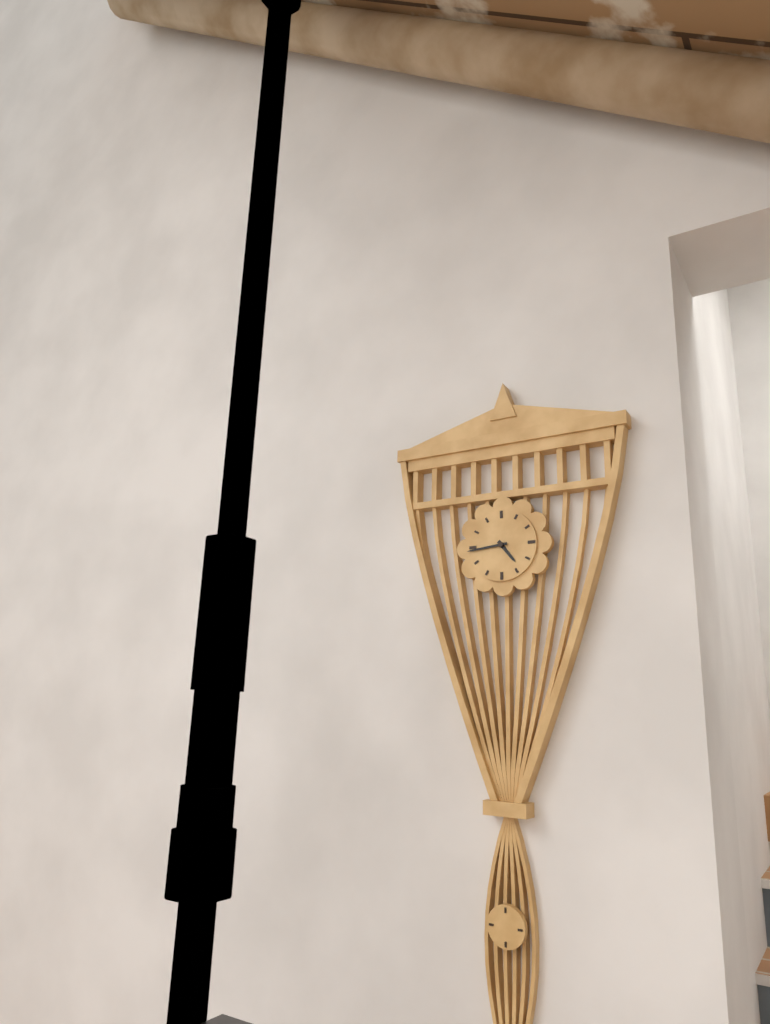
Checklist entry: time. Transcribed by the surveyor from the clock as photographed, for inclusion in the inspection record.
4:44
